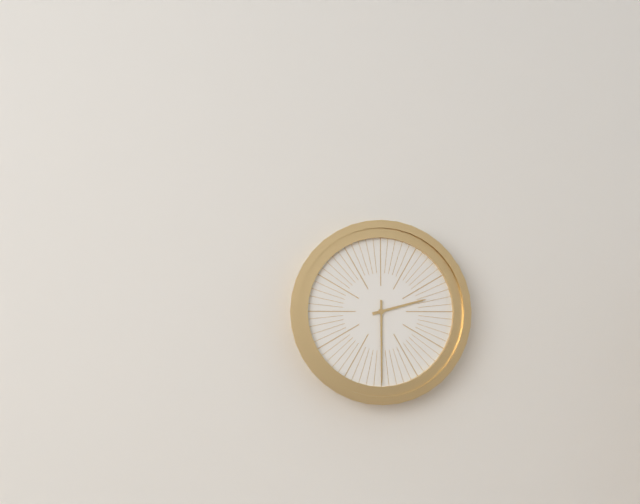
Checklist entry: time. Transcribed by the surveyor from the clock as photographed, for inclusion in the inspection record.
2:30
